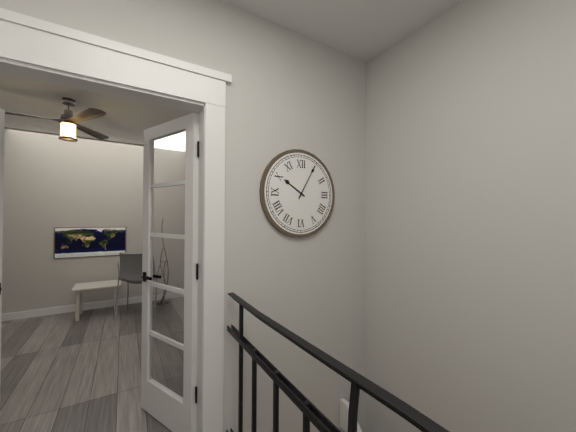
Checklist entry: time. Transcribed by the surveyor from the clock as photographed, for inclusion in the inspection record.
10:05
